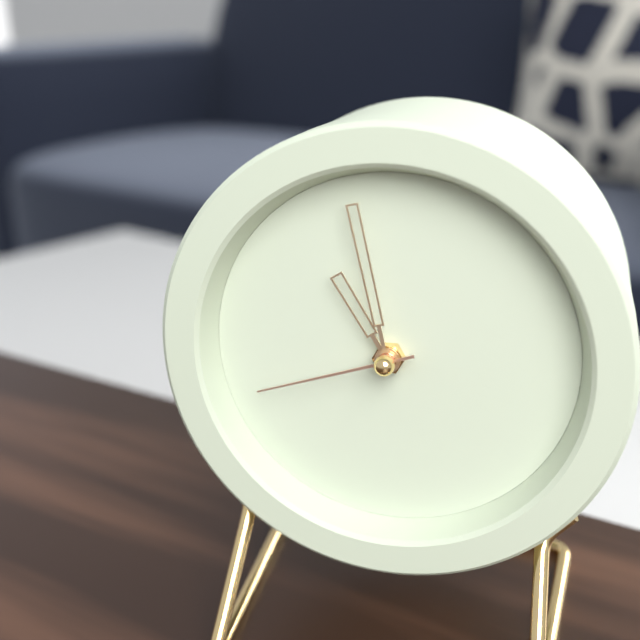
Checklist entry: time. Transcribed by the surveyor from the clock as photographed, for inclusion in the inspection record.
10:58:42
